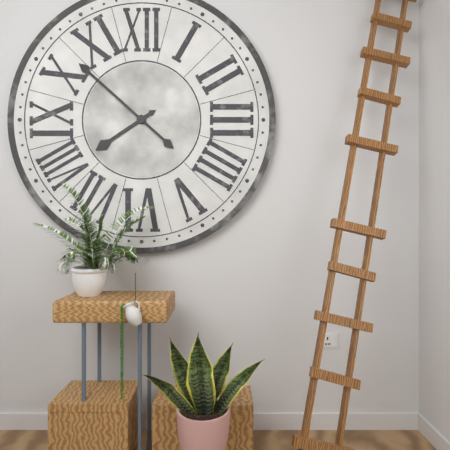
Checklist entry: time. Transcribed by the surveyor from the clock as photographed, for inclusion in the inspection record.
7:52
